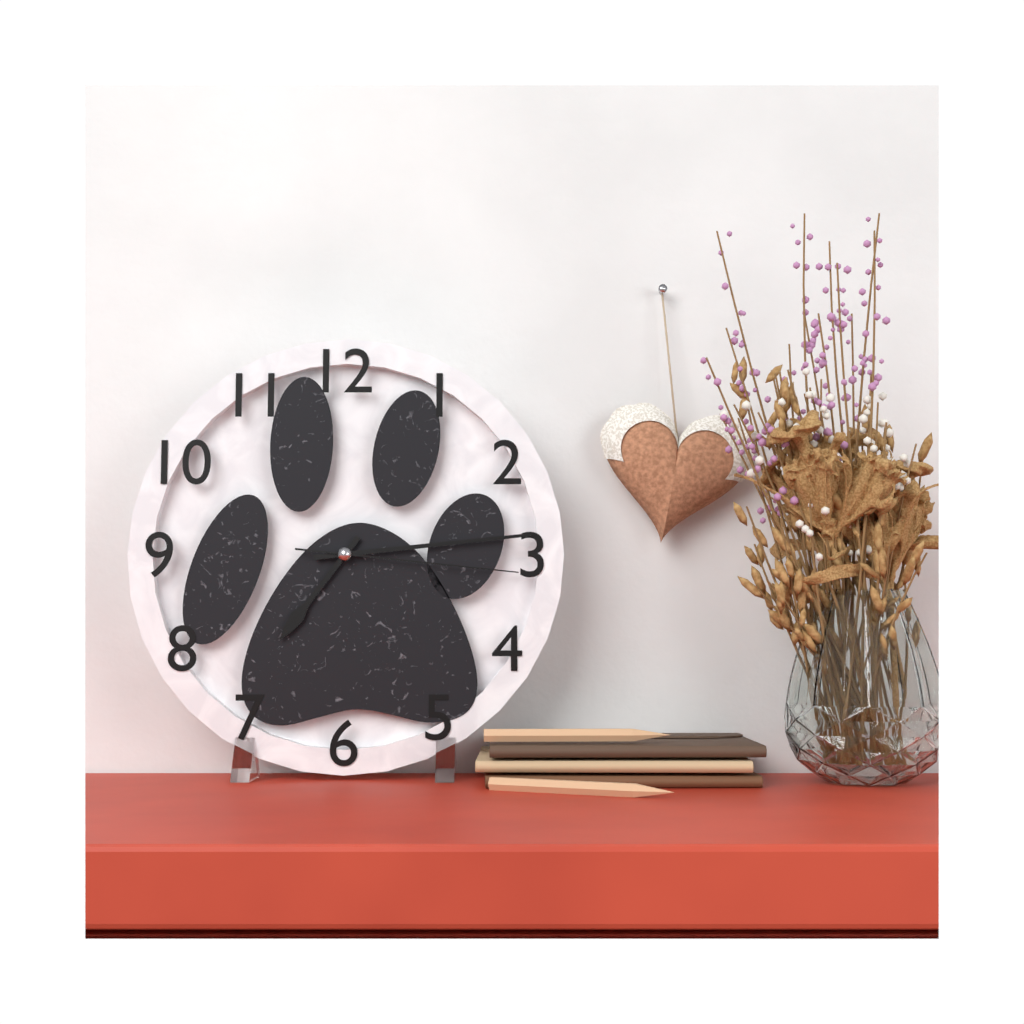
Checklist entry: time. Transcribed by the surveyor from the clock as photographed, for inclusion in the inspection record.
7:14:16
